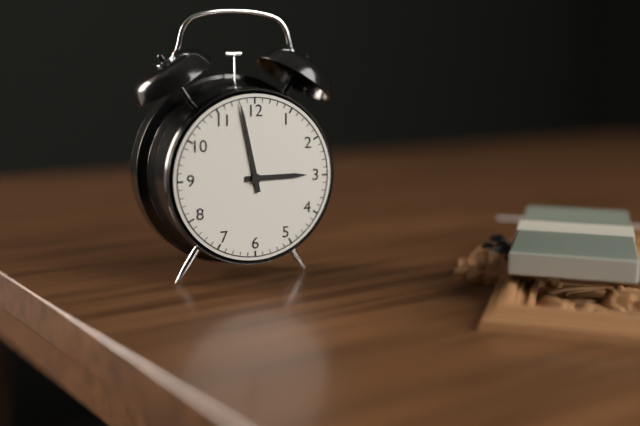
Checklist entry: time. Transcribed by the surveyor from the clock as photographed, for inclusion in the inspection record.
2:58
